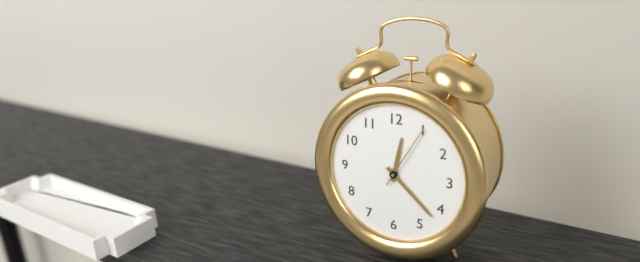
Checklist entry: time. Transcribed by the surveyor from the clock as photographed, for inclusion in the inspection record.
12:22:05
